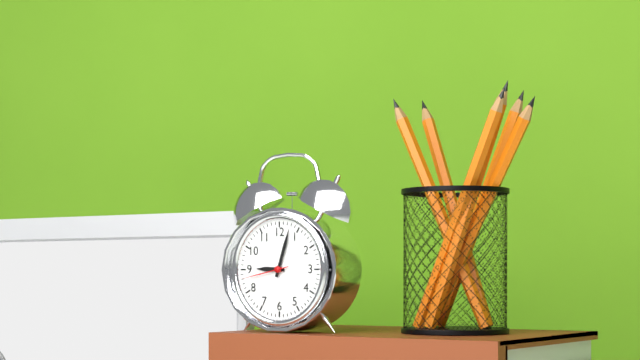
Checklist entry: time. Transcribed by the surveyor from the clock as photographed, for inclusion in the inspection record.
9:03
